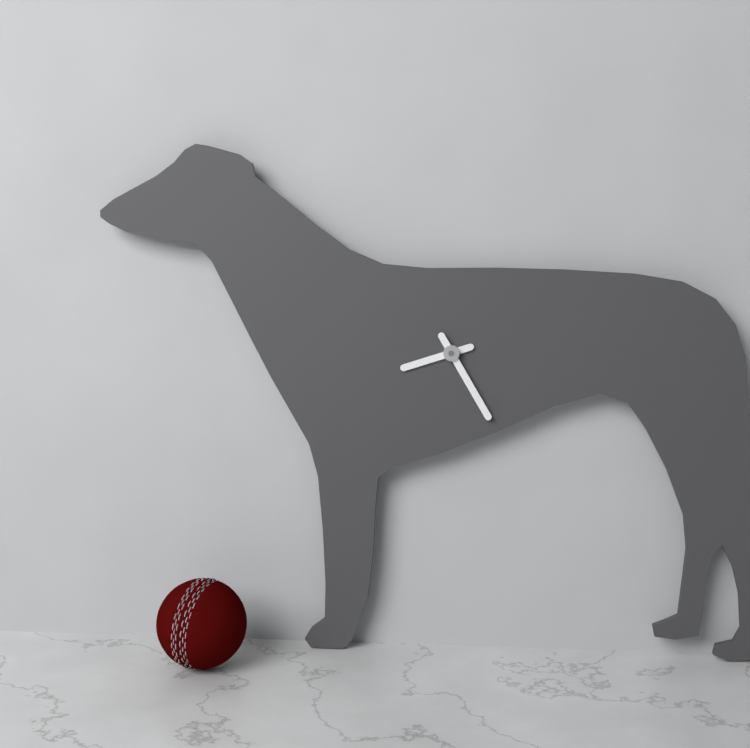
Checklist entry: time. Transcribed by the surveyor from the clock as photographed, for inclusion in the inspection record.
8:25
